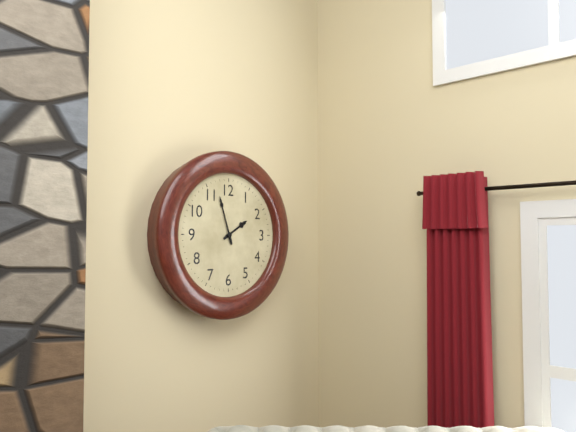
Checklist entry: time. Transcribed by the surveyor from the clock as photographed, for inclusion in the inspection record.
1:57
